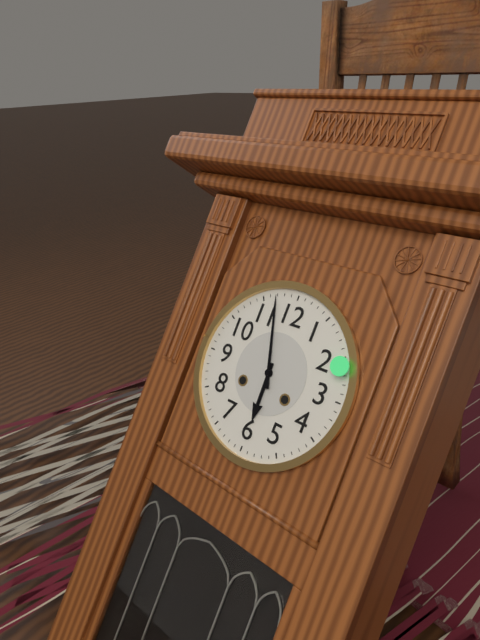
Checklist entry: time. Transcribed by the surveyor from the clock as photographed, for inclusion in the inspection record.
5:57
